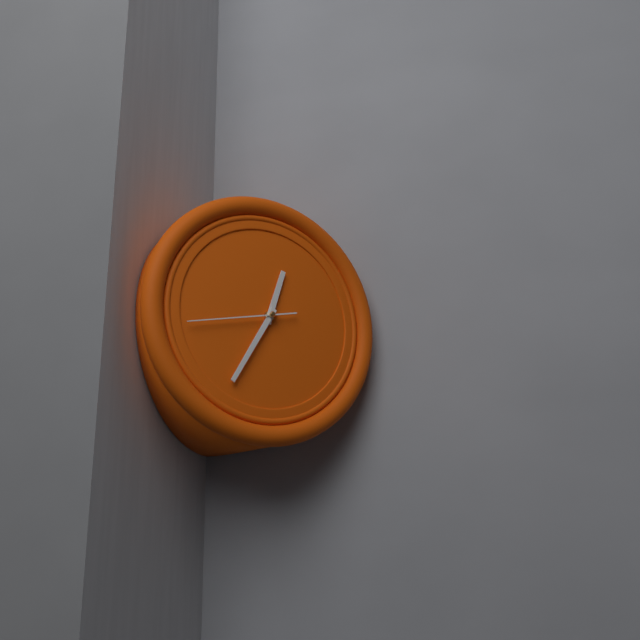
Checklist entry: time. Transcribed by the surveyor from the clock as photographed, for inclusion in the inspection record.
12:35:43
